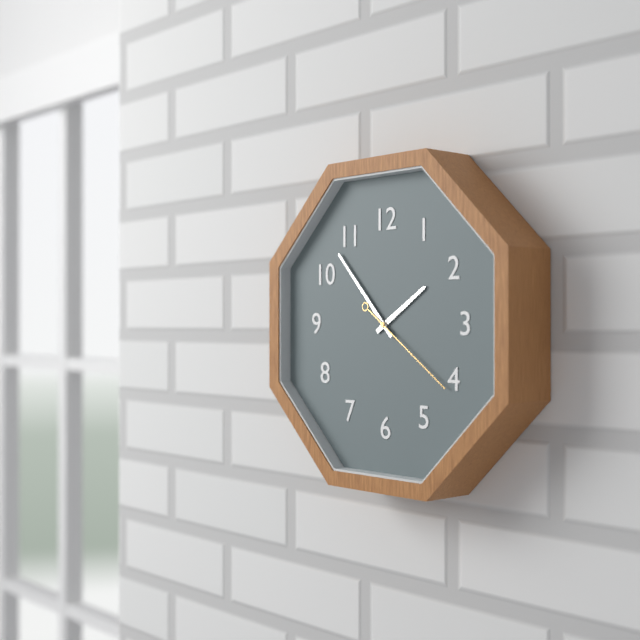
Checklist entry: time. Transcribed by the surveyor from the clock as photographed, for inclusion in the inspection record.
1:53:21
